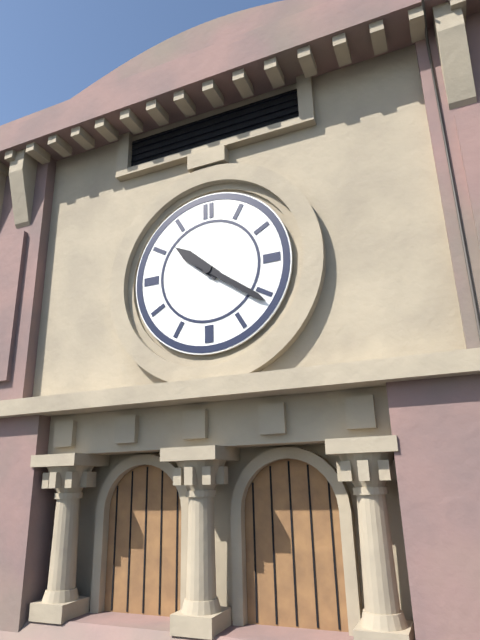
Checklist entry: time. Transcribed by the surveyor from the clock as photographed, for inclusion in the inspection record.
10:21
